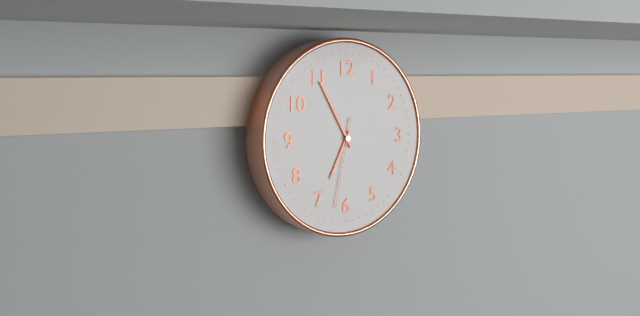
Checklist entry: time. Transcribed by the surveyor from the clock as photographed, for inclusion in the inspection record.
6:55:32
